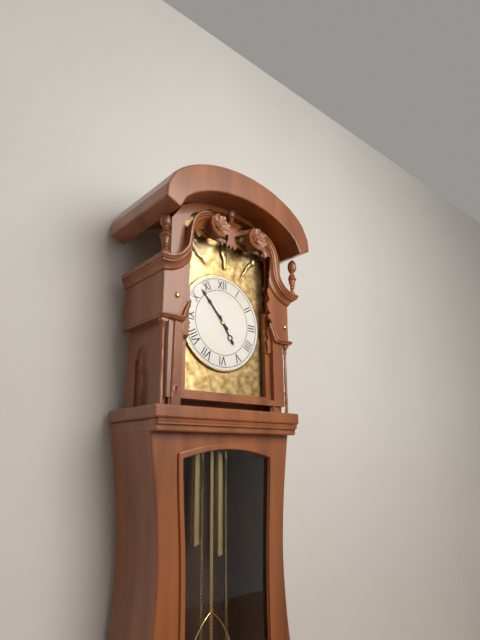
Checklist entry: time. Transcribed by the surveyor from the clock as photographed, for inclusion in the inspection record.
4:53
